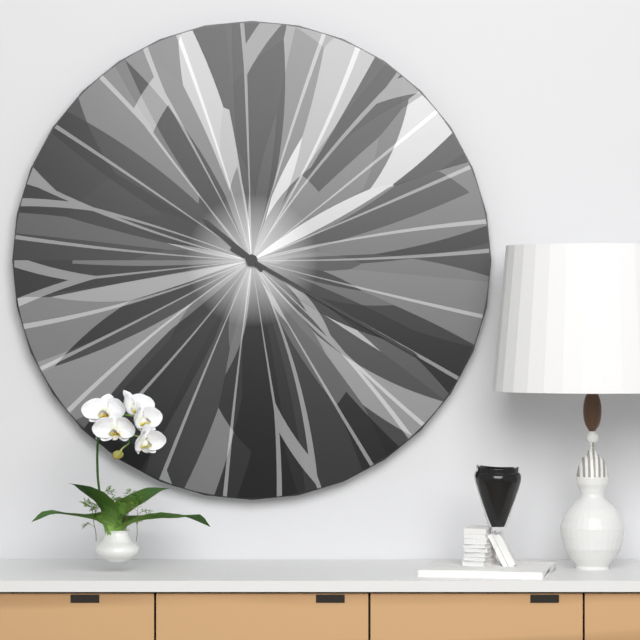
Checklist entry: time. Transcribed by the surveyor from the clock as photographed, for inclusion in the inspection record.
10:20
